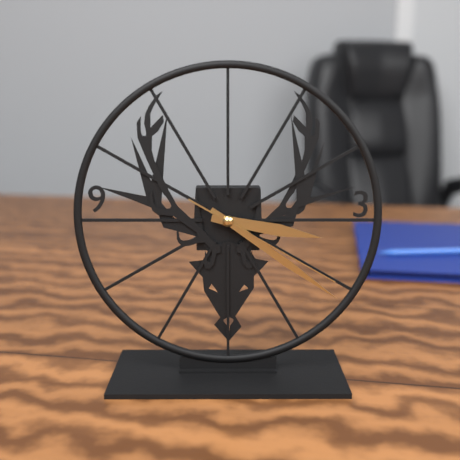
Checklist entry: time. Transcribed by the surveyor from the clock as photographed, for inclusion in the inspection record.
3:21:20
